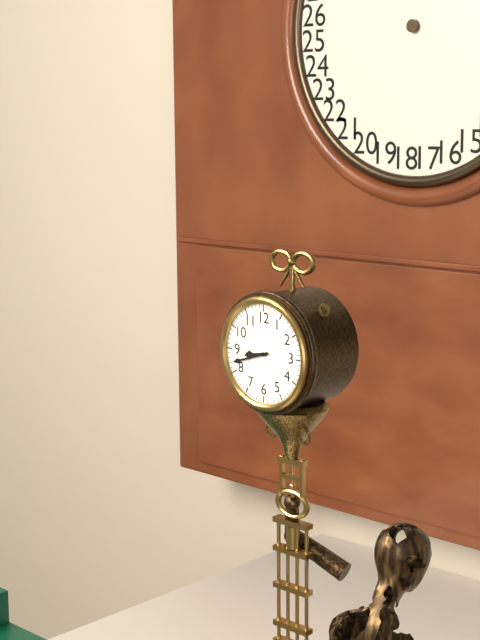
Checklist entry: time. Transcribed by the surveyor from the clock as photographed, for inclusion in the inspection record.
8:42
